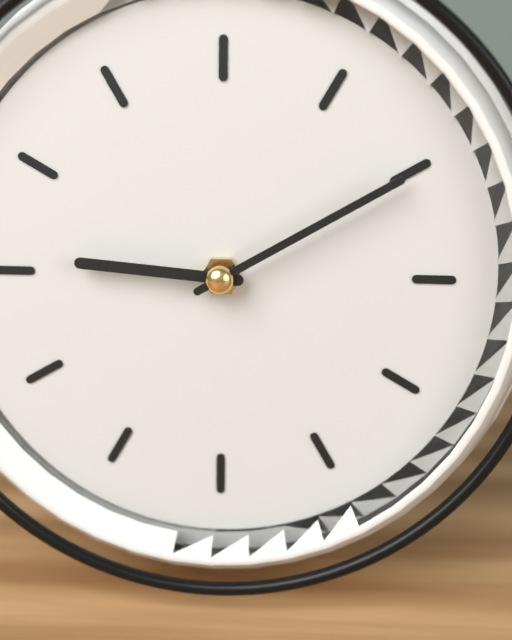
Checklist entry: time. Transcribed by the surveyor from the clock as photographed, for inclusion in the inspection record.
9:10
